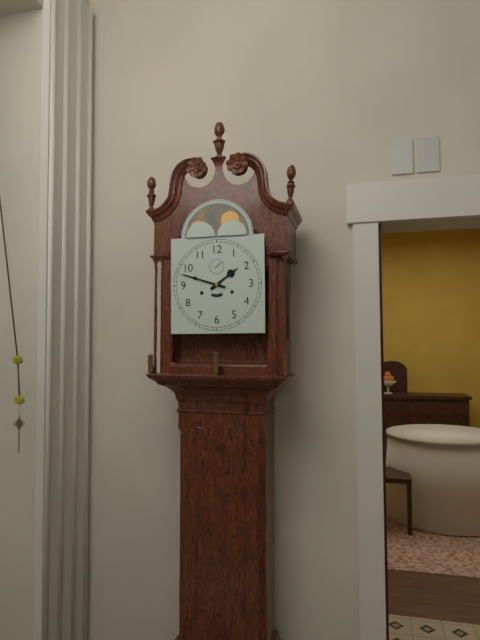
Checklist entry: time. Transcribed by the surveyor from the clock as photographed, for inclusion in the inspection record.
1:48
